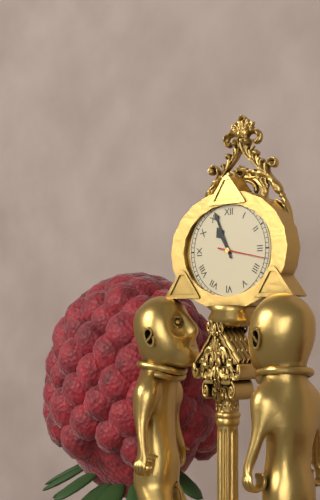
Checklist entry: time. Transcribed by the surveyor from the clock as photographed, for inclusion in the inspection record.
10:56
